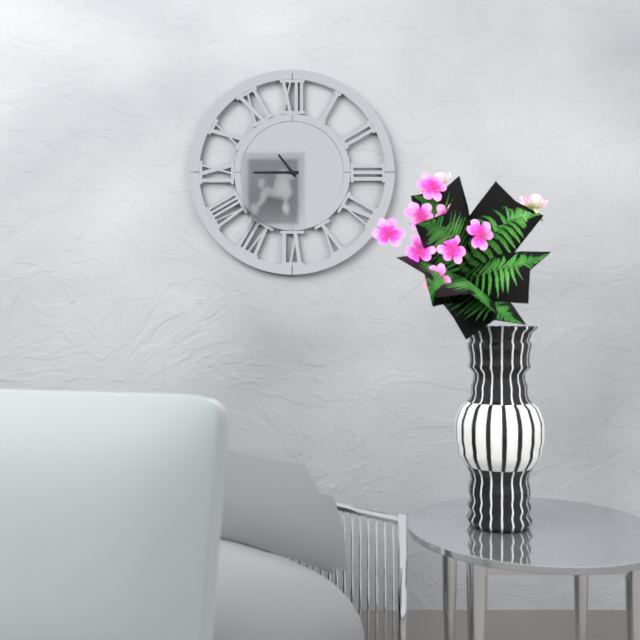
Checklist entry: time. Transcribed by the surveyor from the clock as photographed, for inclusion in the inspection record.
10:45
